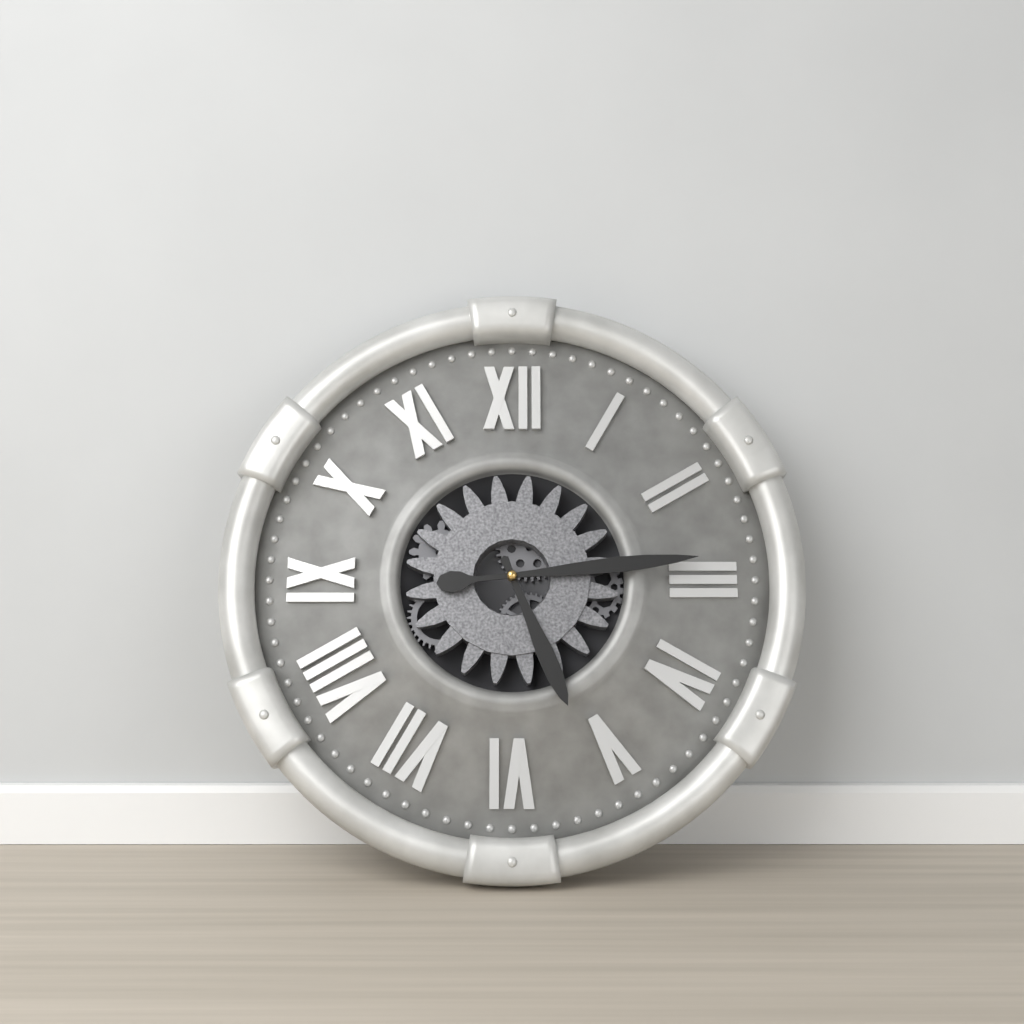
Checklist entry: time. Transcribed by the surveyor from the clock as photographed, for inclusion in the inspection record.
5:14
